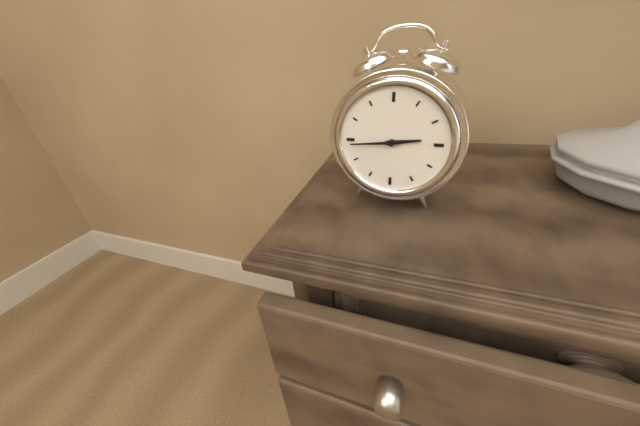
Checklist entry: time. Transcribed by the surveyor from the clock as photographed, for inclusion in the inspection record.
2:44
